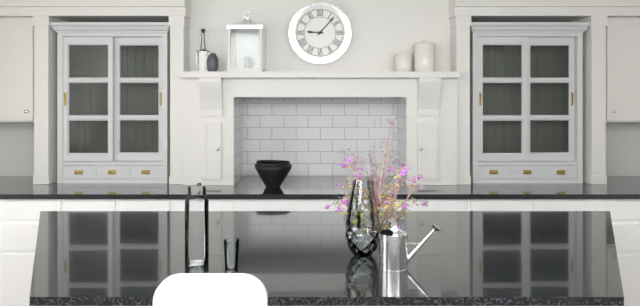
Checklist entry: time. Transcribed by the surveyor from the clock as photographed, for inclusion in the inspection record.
9:07
